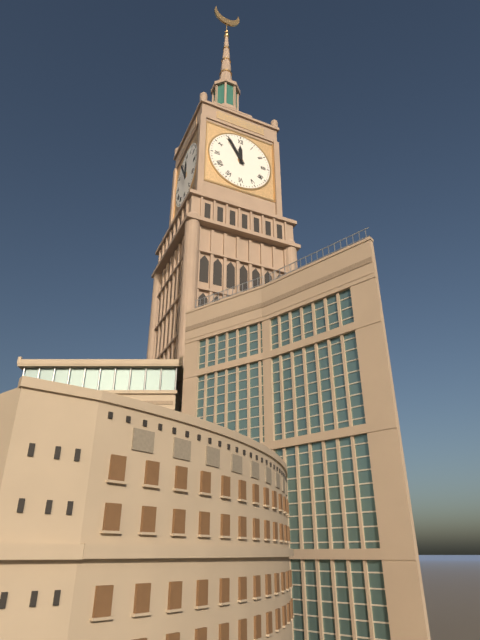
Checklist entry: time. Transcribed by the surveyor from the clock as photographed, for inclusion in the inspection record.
11:55
